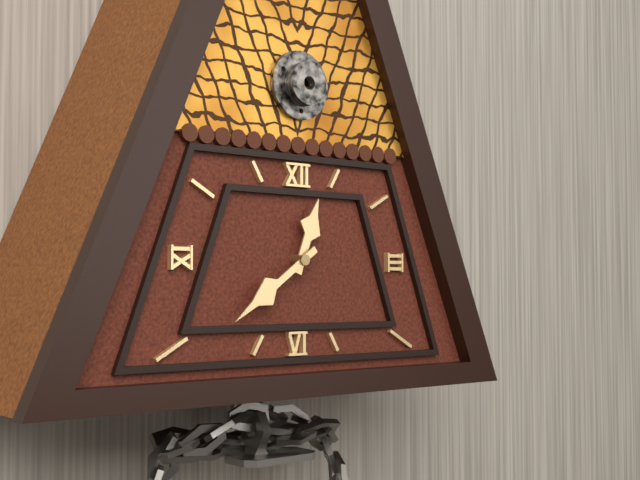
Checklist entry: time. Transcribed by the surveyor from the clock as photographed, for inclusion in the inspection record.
12:39
